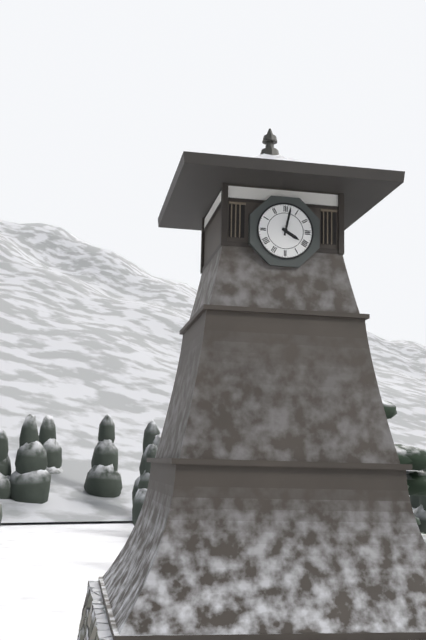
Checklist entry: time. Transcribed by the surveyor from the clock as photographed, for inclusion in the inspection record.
4:02
